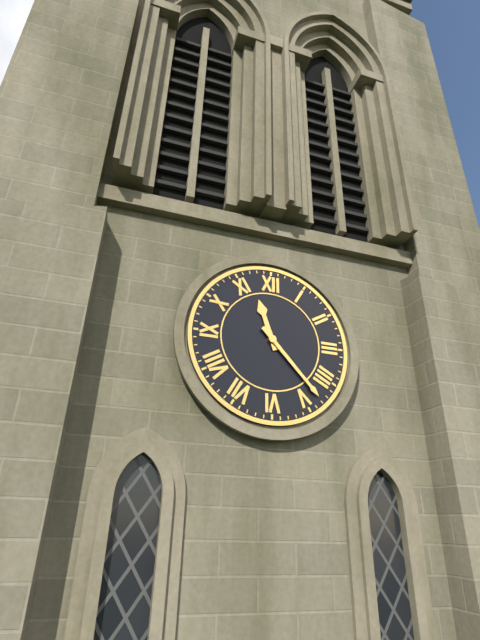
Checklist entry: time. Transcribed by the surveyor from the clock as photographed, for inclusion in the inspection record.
11:23
